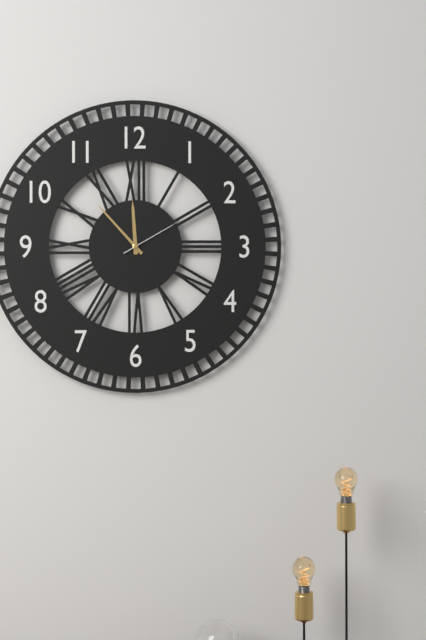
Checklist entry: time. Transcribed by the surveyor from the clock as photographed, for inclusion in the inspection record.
11:53:10
